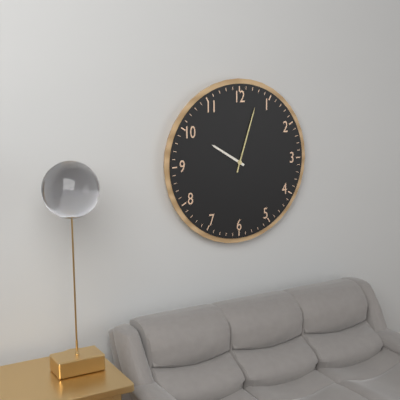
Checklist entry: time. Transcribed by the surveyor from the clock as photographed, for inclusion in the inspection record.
10:03
